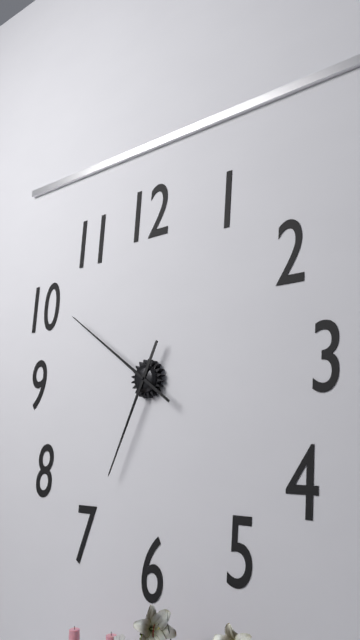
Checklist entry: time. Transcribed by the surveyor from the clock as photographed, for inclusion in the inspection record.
6:51
